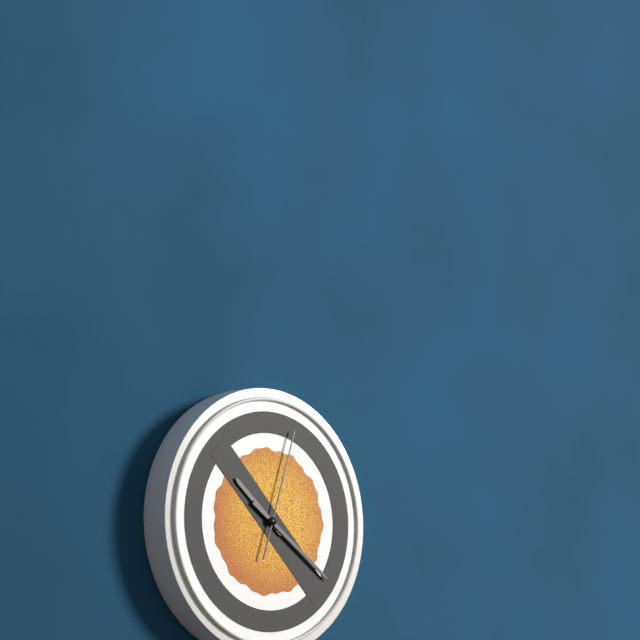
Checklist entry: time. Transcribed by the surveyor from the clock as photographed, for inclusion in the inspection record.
10:21:03
